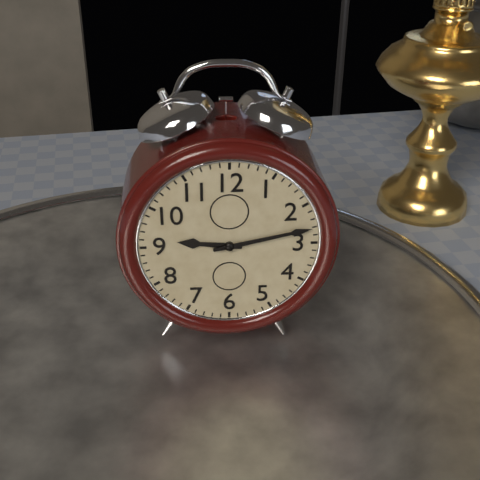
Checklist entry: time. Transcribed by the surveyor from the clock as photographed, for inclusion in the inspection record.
9:13
